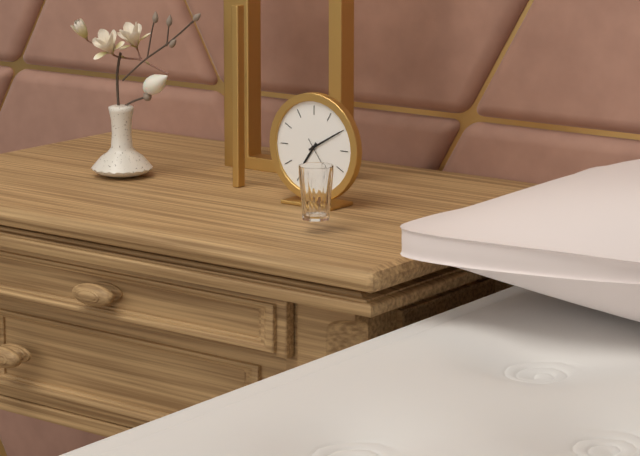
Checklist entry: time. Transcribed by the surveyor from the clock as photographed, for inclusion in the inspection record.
7:10
